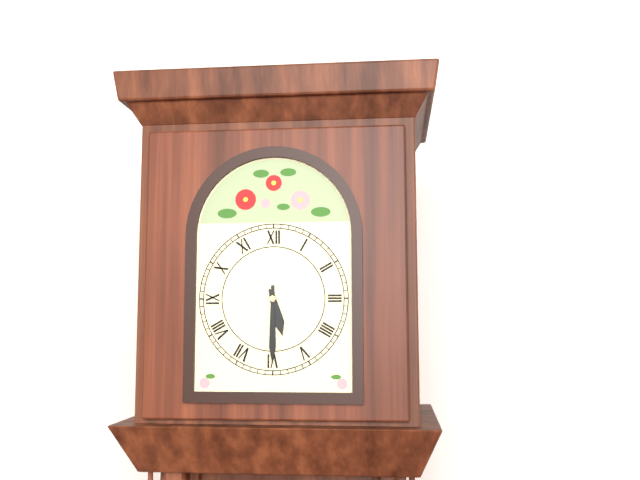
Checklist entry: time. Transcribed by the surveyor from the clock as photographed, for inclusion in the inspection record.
5:30
